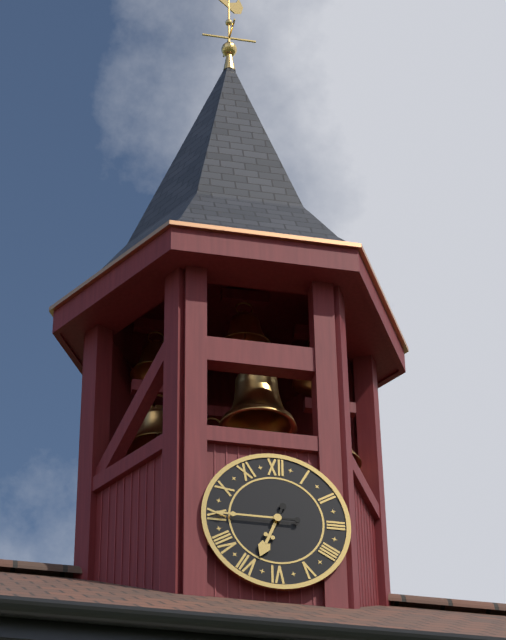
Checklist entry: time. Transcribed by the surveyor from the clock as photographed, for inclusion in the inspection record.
6:45
